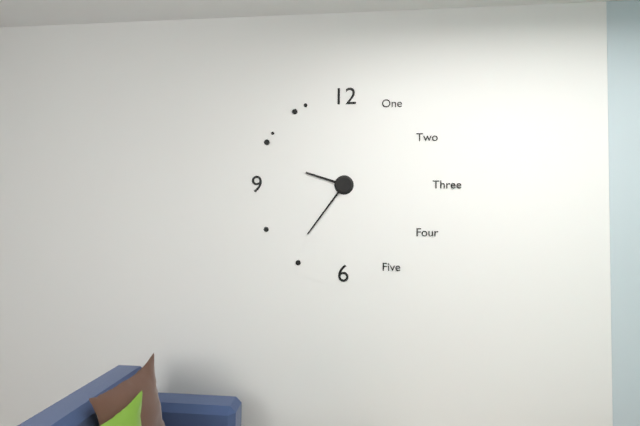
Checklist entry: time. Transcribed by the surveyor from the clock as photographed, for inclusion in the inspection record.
9:36
